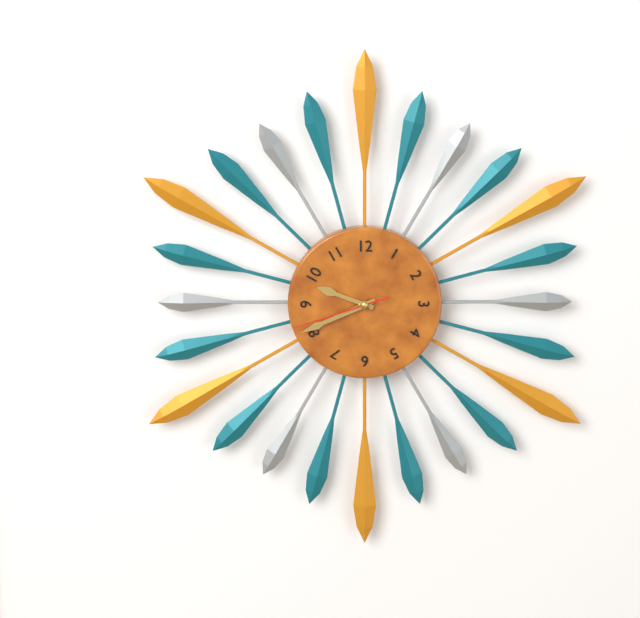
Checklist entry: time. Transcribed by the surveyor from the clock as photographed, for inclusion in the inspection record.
9:41:42
